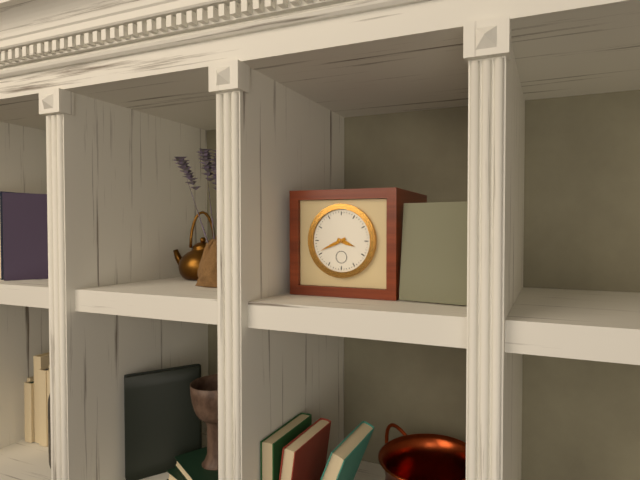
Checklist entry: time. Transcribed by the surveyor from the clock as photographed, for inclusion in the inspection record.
3:41
